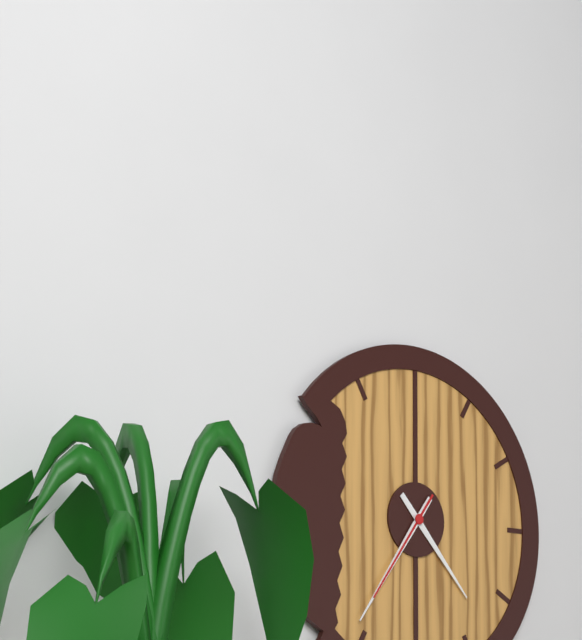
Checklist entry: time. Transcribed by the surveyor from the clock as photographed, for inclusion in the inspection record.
4:36:36
